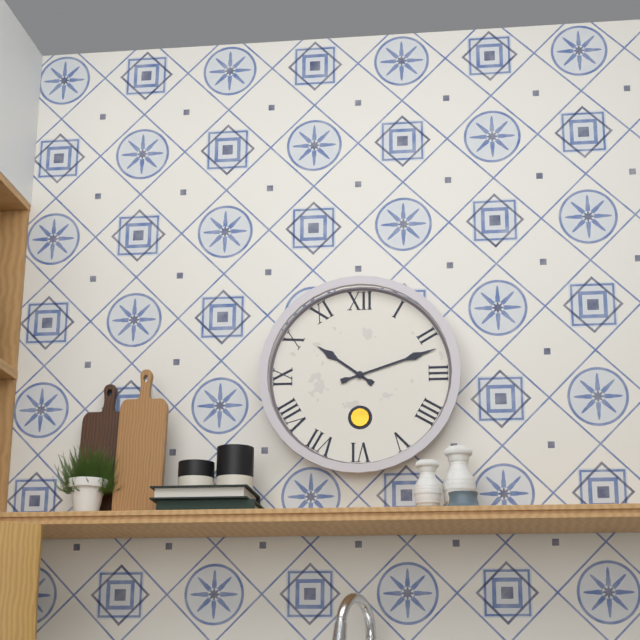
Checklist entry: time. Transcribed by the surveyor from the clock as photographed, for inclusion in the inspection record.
10:12
